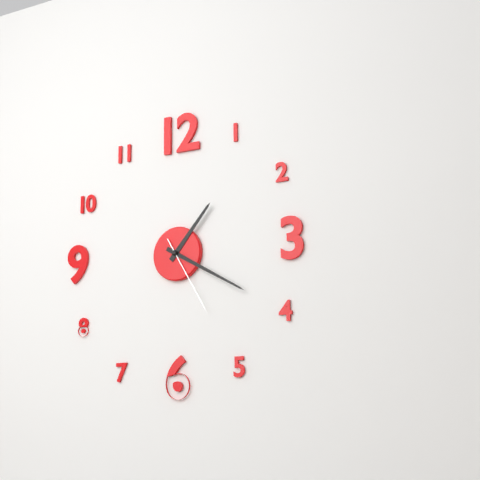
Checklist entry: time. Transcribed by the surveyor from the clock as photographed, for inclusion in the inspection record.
1:20:25
